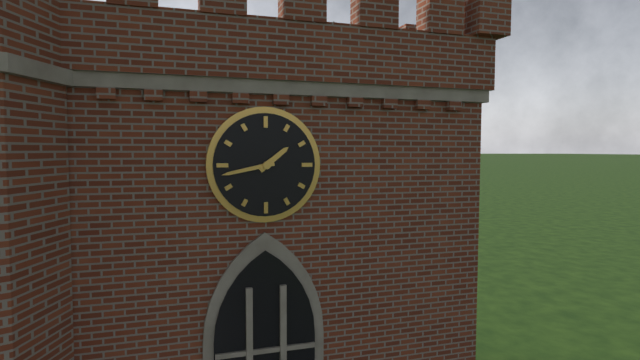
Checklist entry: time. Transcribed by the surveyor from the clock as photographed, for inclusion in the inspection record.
1:43
